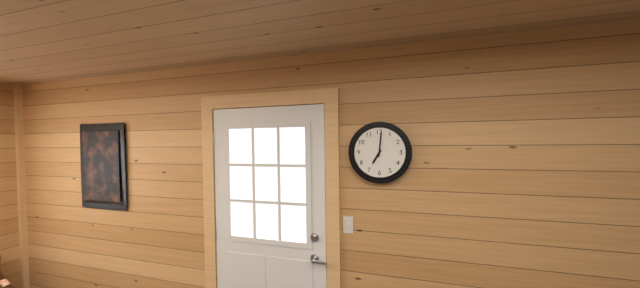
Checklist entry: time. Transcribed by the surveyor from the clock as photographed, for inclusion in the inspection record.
7:01
